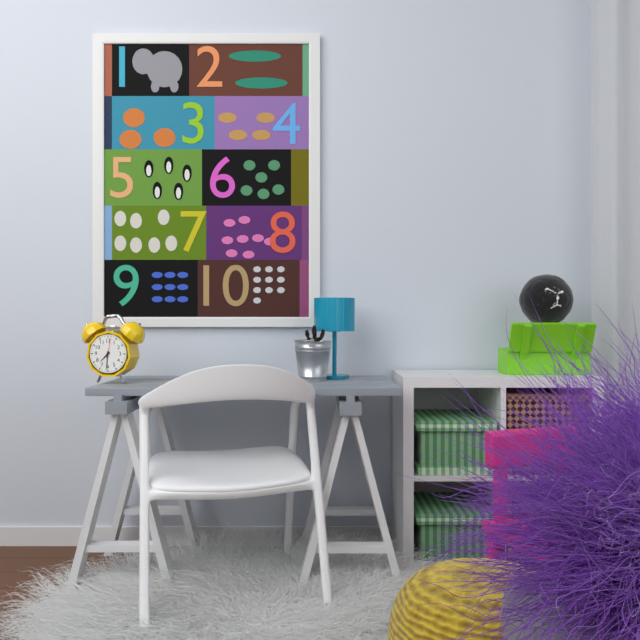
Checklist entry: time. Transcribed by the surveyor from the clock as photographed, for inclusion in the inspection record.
7:31
